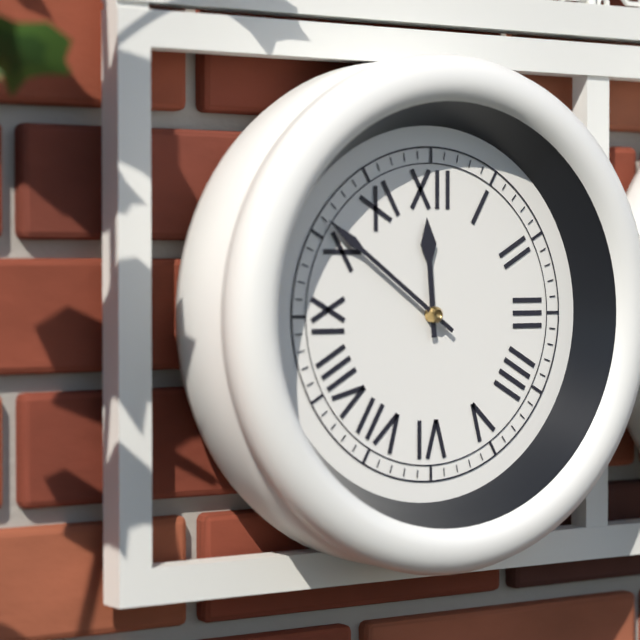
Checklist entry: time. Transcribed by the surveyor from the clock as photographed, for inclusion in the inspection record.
11:51
